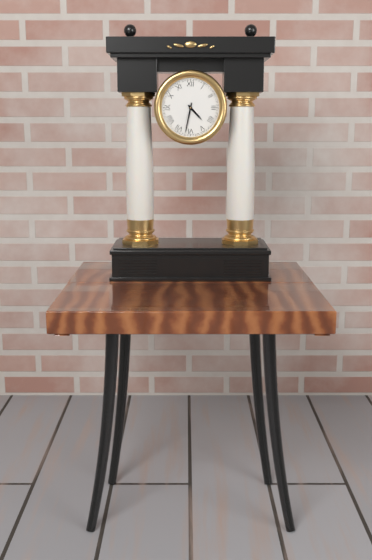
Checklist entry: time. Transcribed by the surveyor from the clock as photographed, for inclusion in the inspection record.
4:32
